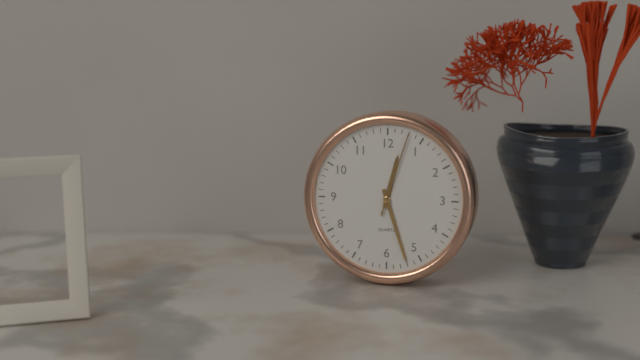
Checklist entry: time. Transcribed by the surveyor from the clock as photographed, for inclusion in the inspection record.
12:27:03
